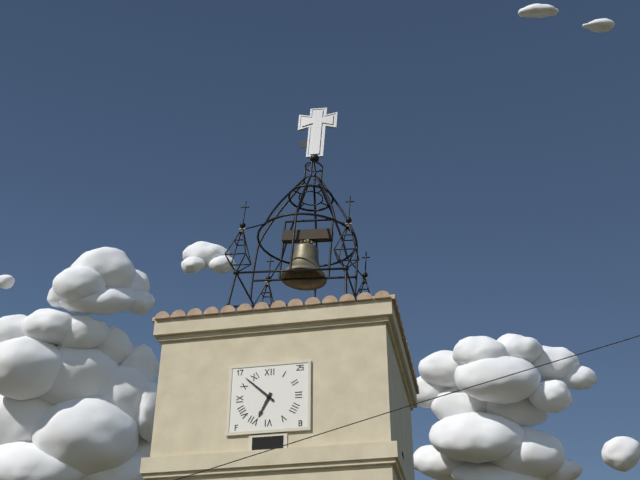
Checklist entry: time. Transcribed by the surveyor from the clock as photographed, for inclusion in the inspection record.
6:52
